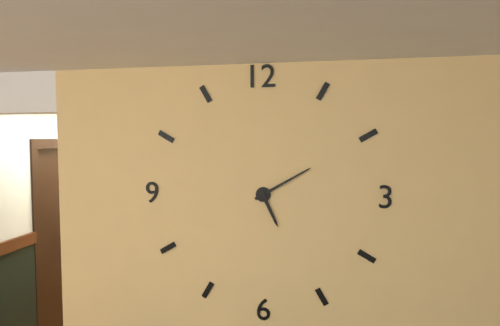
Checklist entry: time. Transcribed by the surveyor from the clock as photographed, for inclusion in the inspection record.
5:10
